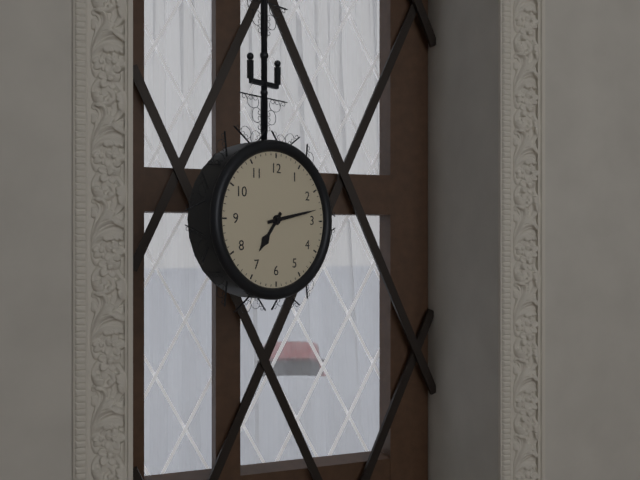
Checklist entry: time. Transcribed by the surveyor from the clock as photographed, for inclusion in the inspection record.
7:13
